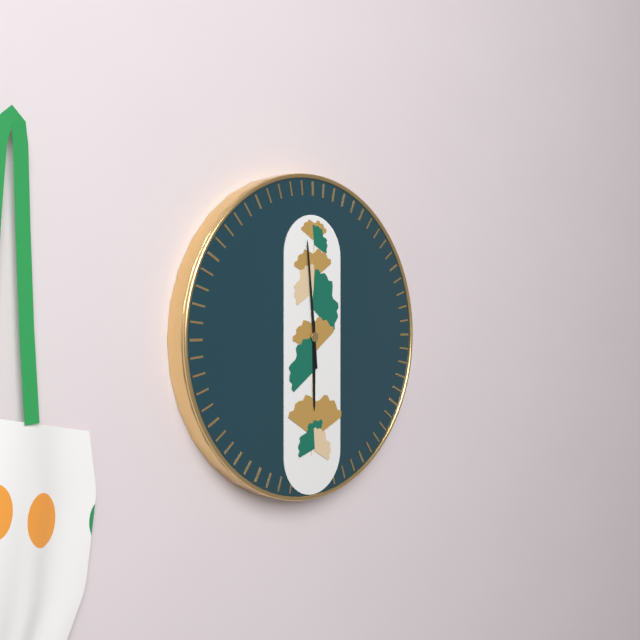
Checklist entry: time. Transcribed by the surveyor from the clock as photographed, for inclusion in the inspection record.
5:59
